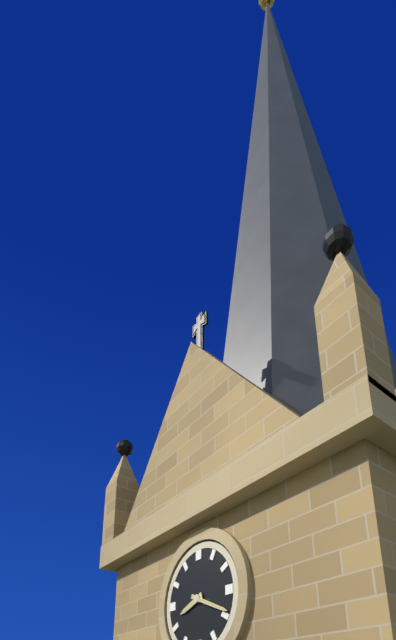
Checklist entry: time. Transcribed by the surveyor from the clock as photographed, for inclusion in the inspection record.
8:19
